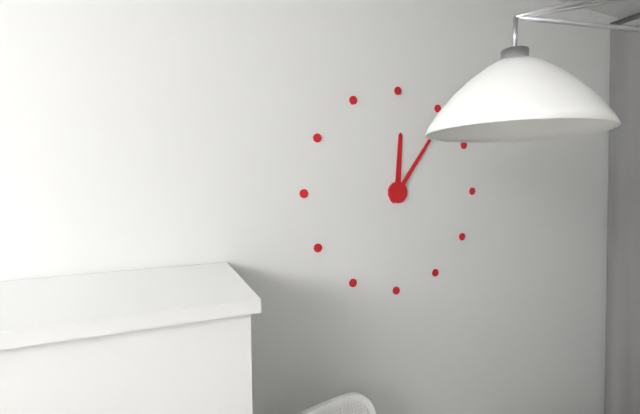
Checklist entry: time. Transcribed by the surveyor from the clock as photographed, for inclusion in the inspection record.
12:06
